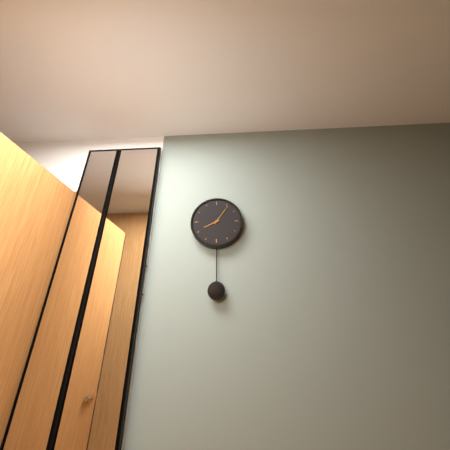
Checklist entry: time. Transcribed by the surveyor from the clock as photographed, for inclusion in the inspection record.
8:06
